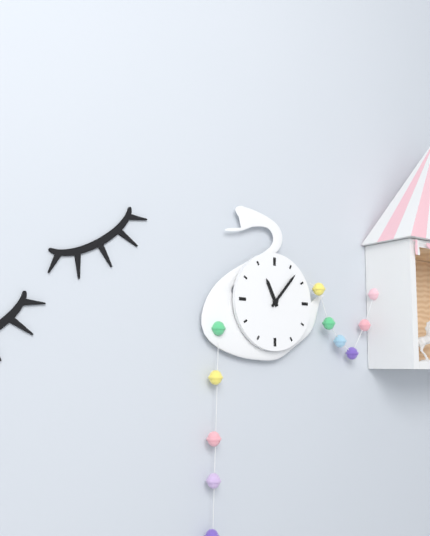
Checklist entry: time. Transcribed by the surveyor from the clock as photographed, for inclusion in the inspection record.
11:07
